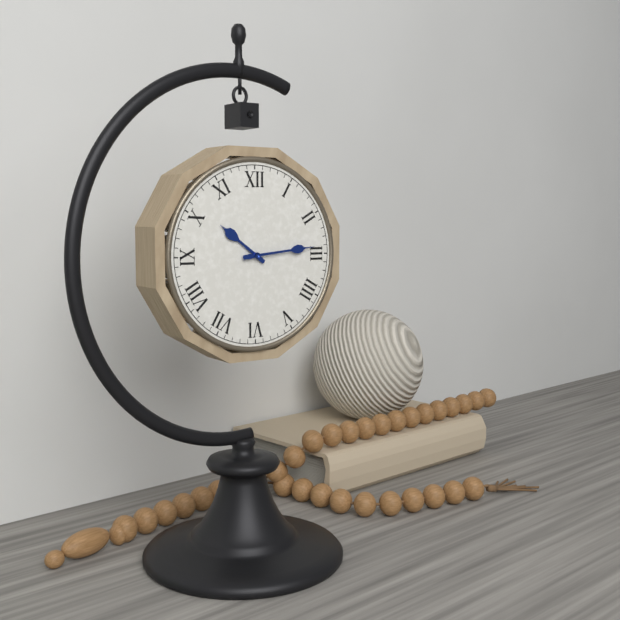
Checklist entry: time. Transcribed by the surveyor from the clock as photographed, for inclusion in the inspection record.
10:14
